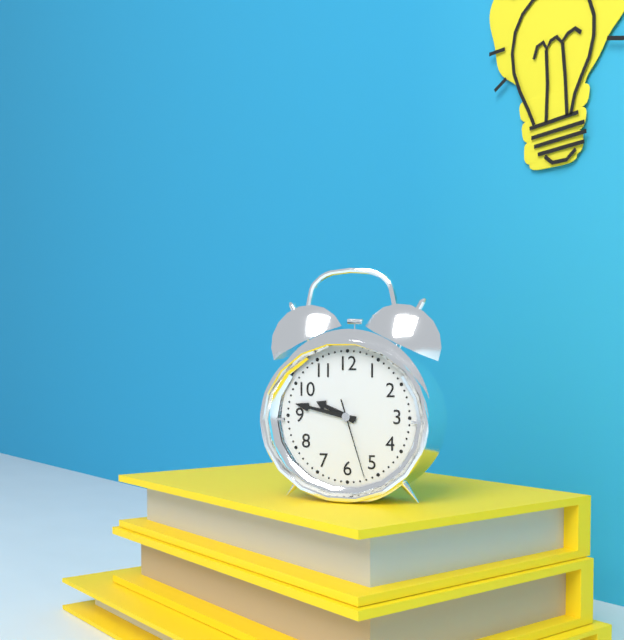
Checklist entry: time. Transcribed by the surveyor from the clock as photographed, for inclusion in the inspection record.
9:47:27
